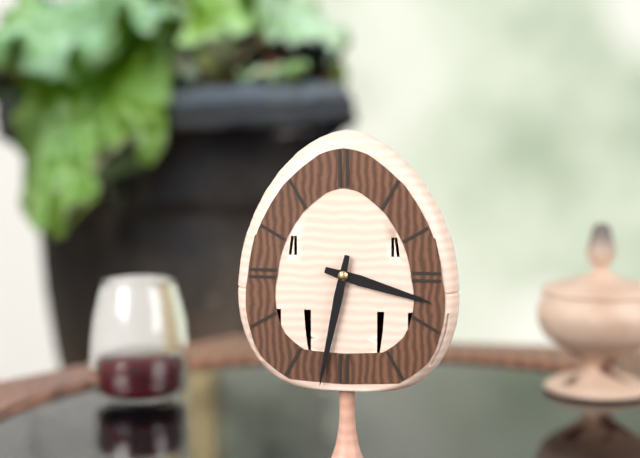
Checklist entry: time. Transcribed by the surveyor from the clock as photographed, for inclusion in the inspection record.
3:32
